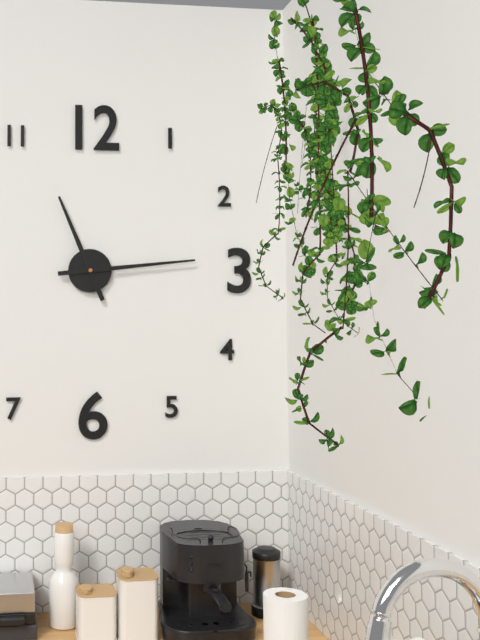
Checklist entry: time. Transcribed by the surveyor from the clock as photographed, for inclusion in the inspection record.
11:14
